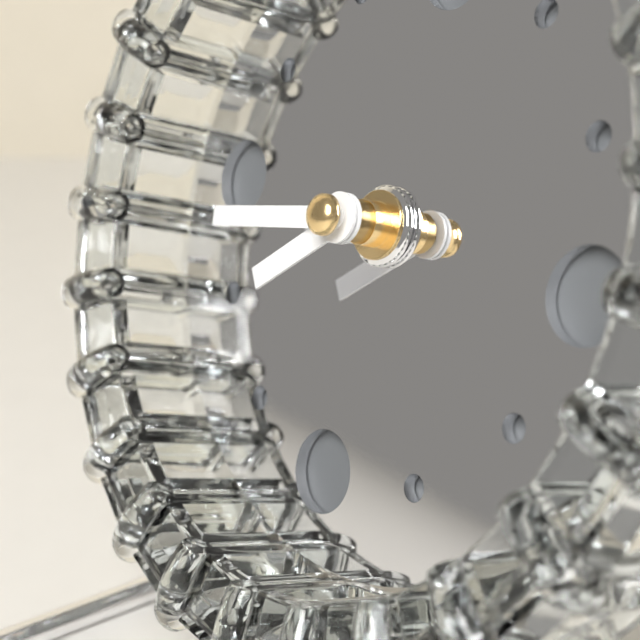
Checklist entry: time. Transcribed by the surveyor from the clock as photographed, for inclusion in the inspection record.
7:43
